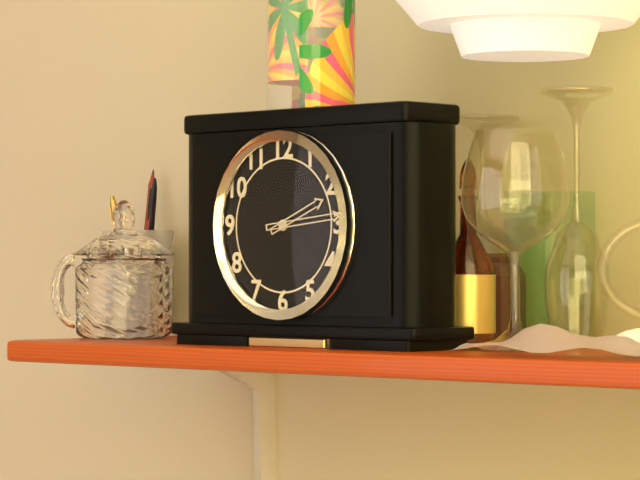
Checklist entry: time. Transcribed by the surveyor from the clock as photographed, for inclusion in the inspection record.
2:14
